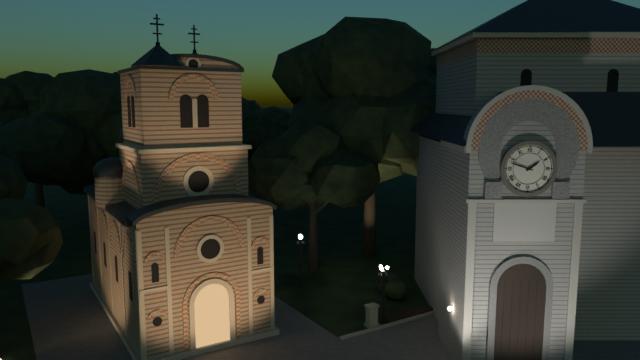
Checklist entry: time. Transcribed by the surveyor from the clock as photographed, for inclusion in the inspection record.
1:48
